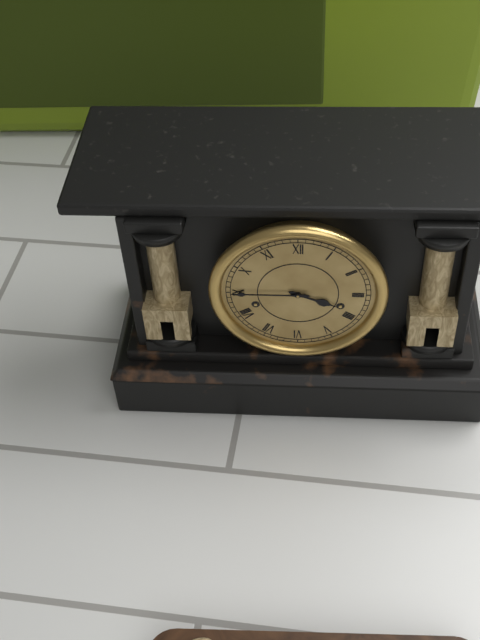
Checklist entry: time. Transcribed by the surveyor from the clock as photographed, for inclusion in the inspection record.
3:45
